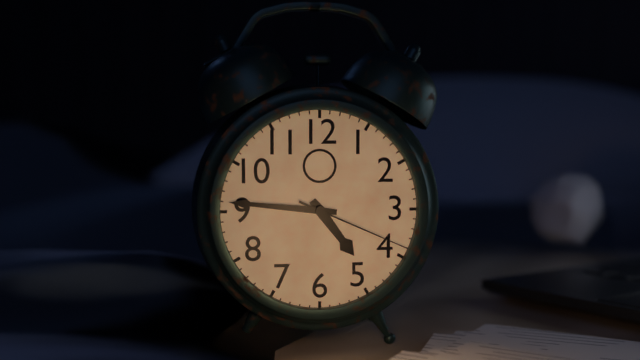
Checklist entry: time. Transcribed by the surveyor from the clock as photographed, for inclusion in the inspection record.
4:46:19
